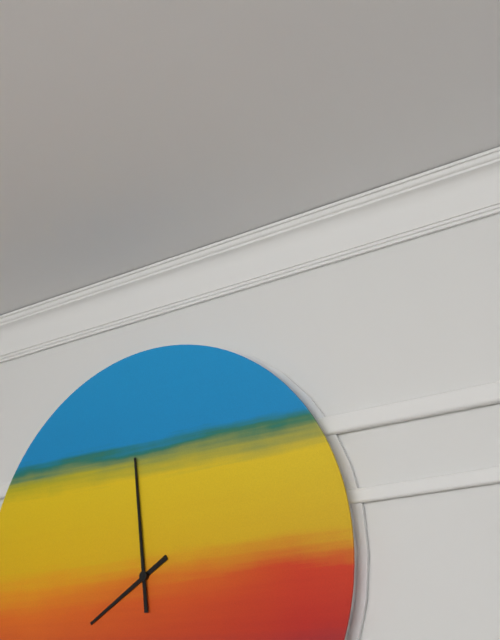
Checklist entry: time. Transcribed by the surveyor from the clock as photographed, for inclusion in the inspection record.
7:59
